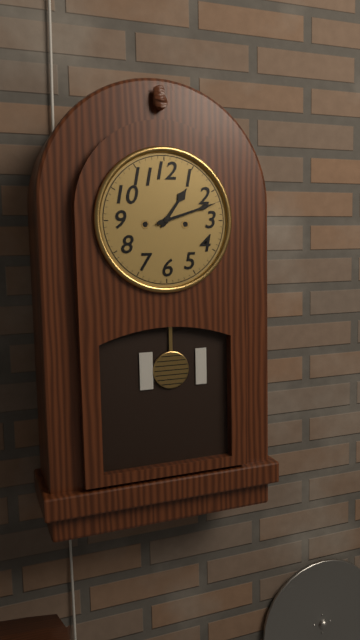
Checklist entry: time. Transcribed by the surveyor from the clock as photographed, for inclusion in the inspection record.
1:12
